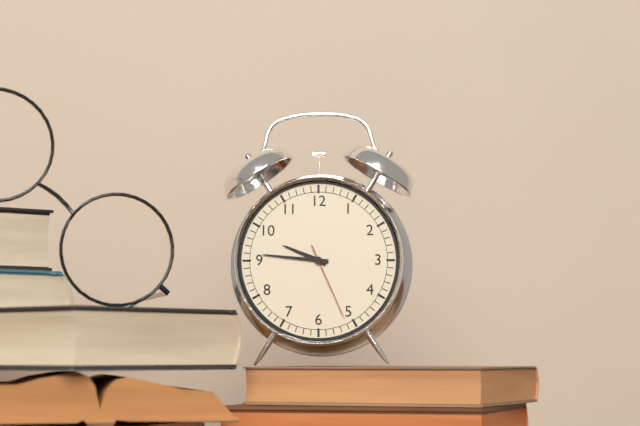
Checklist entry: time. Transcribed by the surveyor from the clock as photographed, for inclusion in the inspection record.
9:46:26
